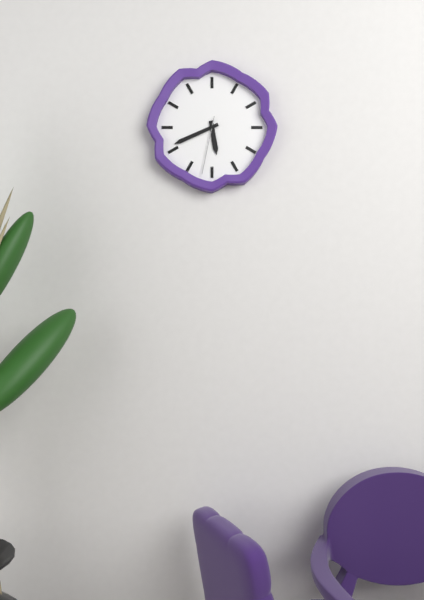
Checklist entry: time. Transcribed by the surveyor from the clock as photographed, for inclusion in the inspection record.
5:41:32
